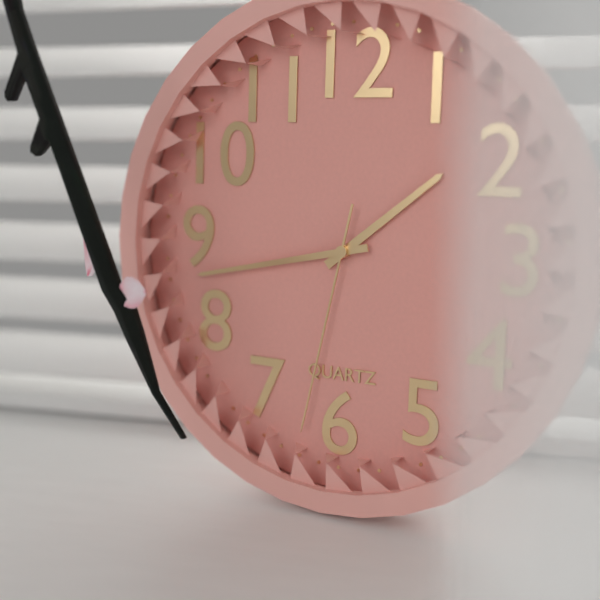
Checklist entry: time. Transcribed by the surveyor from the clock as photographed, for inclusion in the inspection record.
1:43:32
